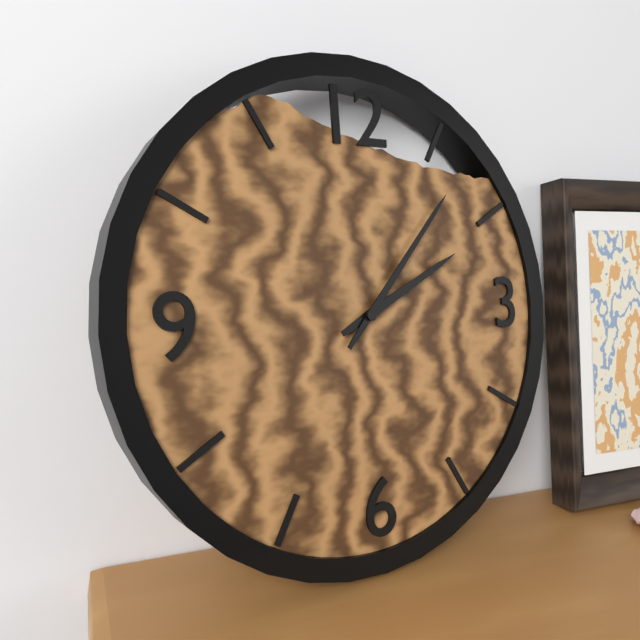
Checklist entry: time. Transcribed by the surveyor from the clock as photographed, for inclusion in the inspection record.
2:07
